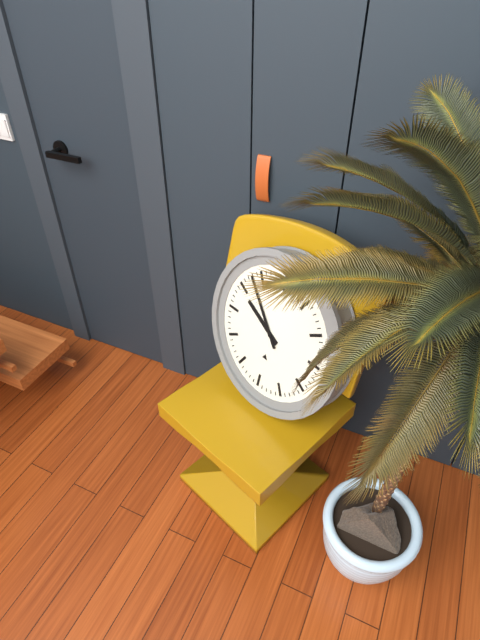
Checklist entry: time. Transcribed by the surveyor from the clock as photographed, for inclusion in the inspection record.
9:53
